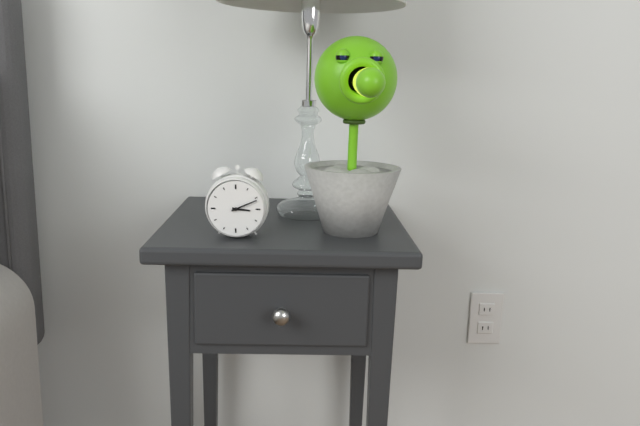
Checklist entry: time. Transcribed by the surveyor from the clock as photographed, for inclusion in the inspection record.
3:11
